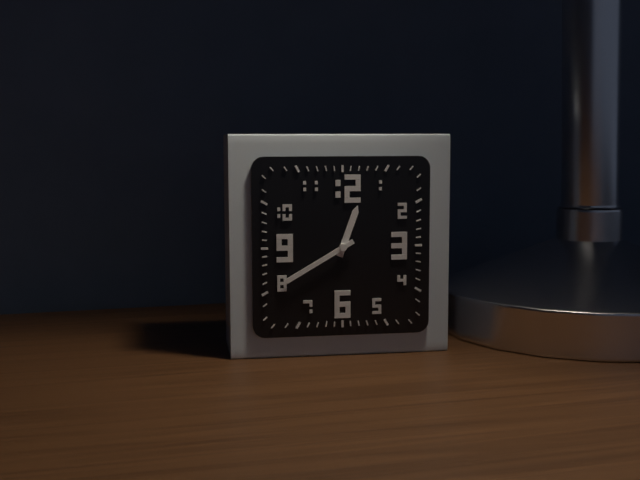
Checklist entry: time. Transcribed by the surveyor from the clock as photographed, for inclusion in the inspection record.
12:40
